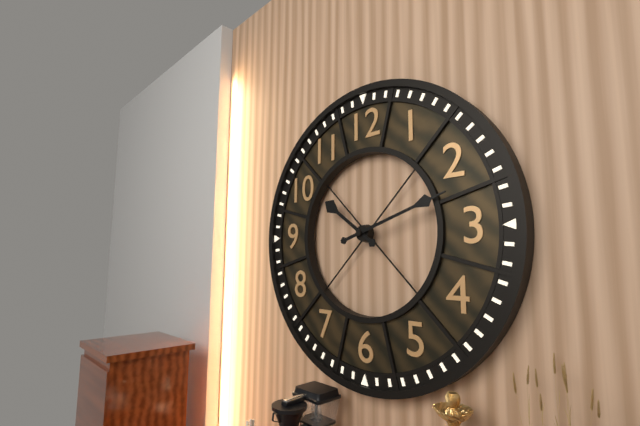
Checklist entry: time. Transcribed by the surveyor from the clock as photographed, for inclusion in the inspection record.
10:12
